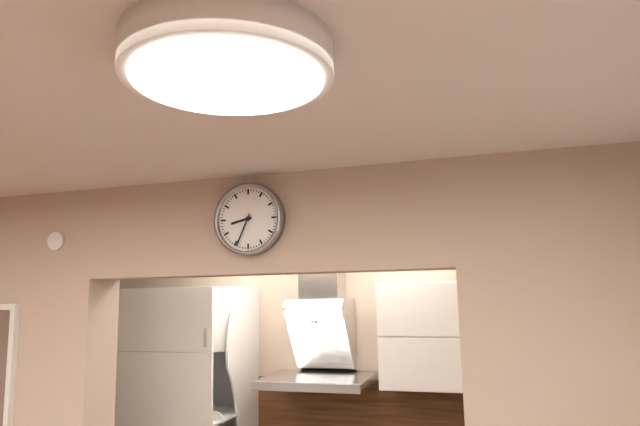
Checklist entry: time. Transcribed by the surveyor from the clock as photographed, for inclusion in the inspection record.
8:34
